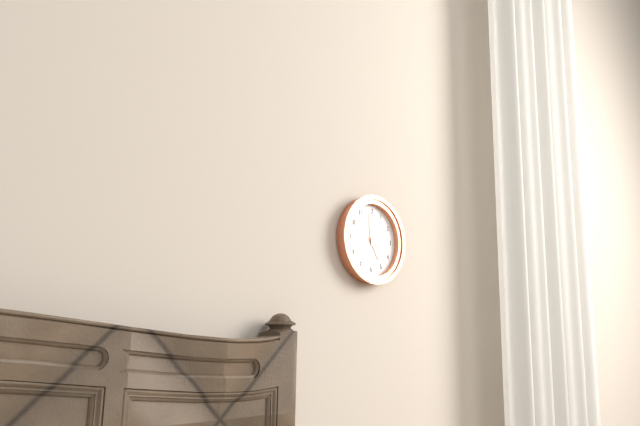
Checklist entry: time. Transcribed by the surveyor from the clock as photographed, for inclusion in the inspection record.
4:59
